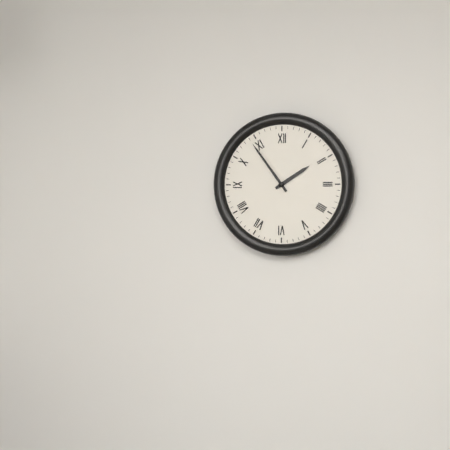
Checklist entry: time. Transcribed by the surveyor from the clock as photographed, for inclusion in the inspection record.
1:54
